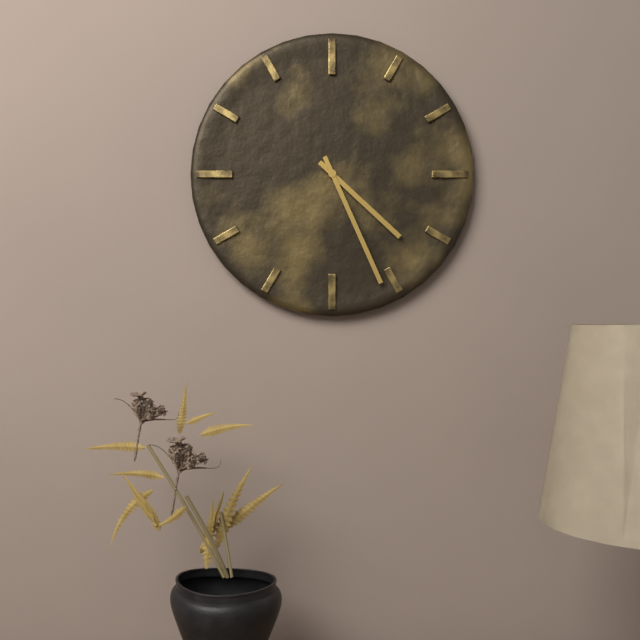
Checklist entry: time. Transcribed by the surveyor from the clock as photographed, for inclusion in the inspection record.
4:26
